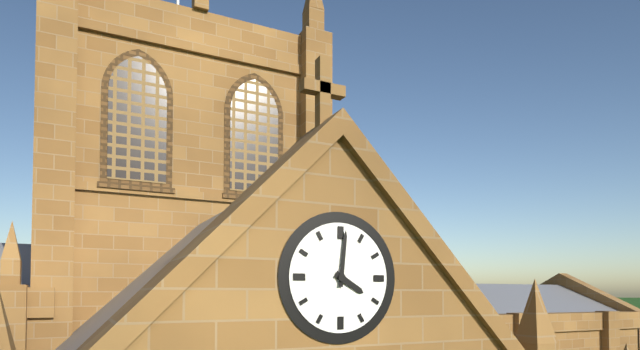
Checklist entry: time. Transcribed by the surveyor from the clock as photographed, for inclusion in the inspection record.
4:01
